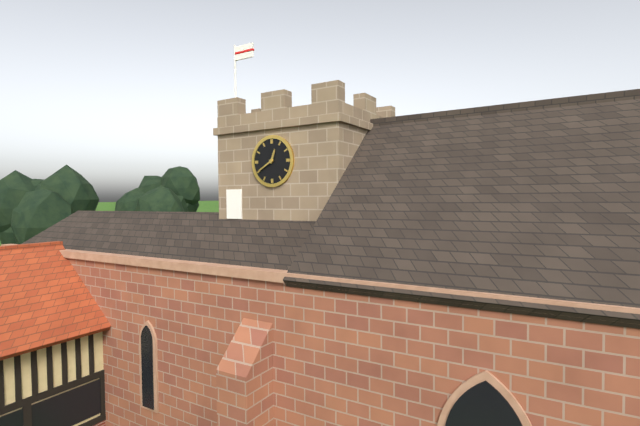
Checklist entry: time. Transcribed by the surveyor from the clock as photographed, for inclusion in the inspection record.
12:40
